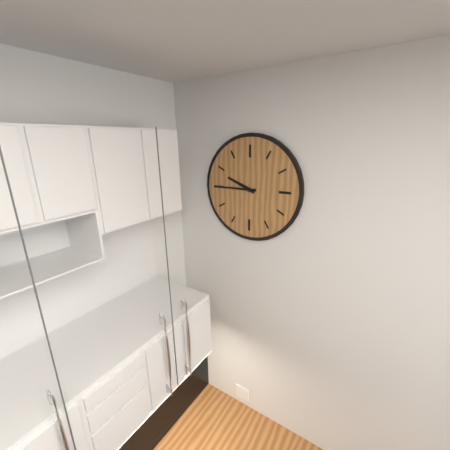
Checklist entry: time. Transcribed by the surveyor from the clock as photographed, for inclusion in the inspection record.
9:45
